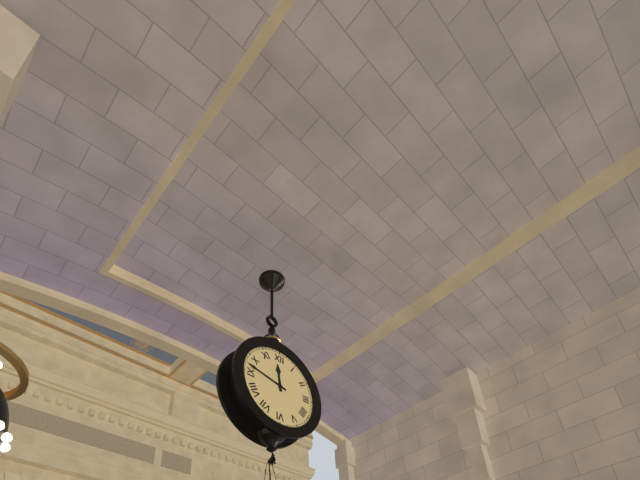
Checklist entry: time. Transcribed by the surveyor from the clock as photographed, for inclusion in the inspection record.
11:47
